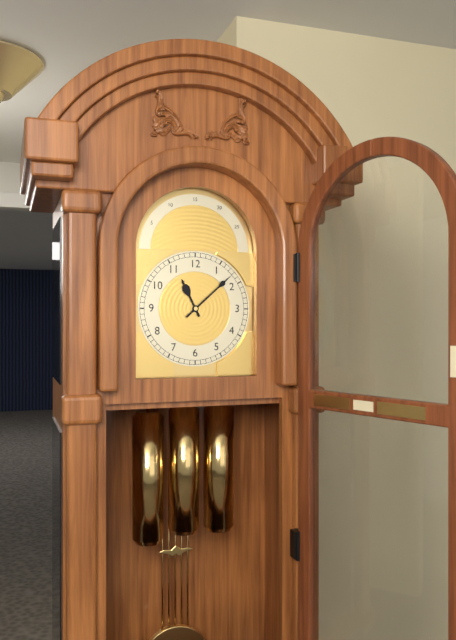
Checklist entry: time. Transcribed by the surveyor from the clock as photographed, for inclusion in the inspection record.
11:08
